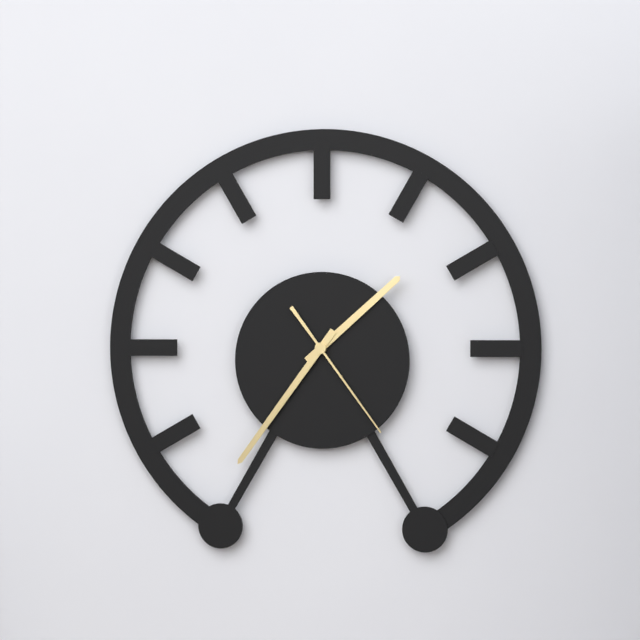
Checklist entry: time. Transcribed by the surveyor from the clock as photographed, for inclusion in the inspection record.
1:36:24
